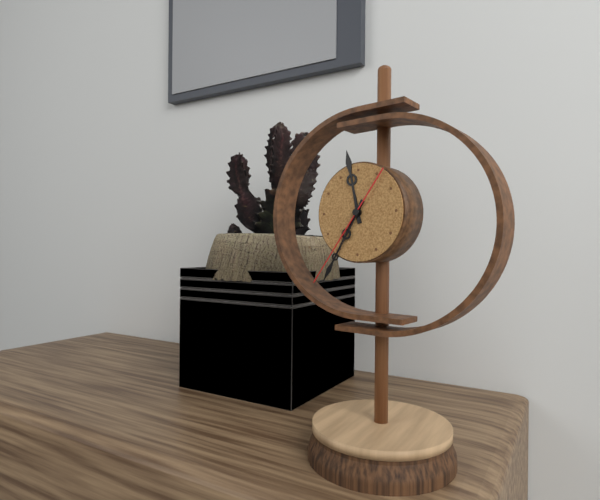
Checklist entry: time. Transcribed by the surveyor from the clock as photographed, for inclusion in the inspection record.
11:35:36
